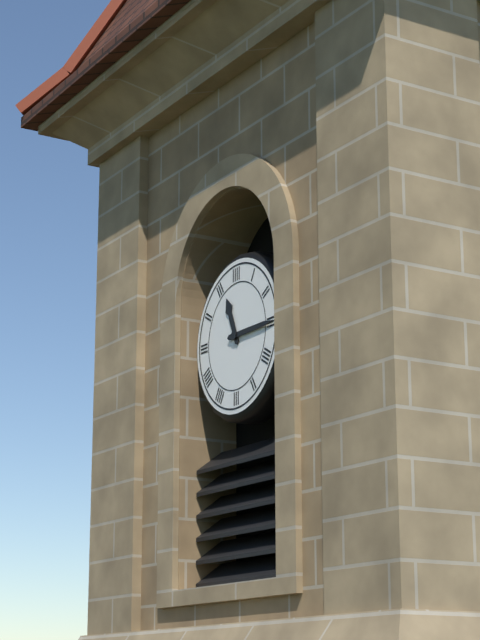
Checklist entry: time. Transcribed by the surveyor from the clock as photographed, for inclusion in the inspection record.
11:15
